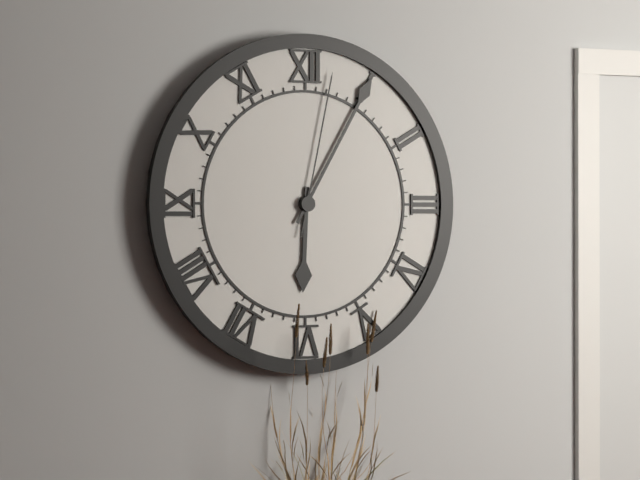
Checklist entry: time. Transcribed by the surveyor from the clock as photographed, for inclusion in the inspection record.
6:05:02
